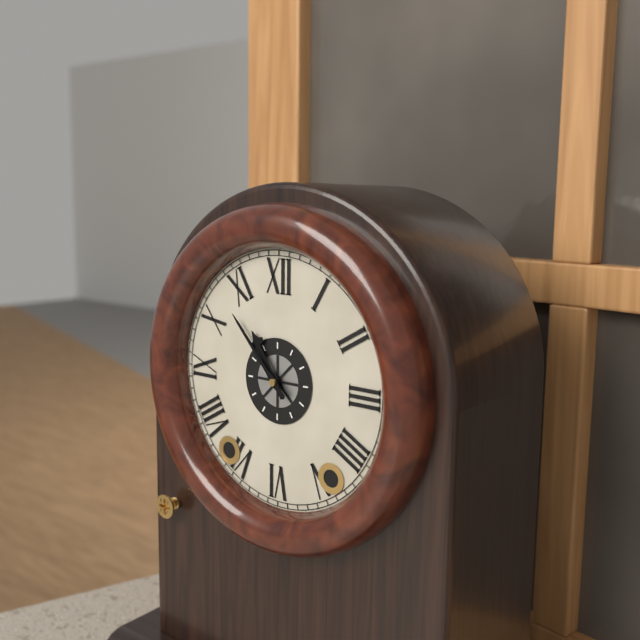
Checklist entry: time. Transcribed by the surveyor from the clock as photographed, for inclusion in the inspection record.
10:53
